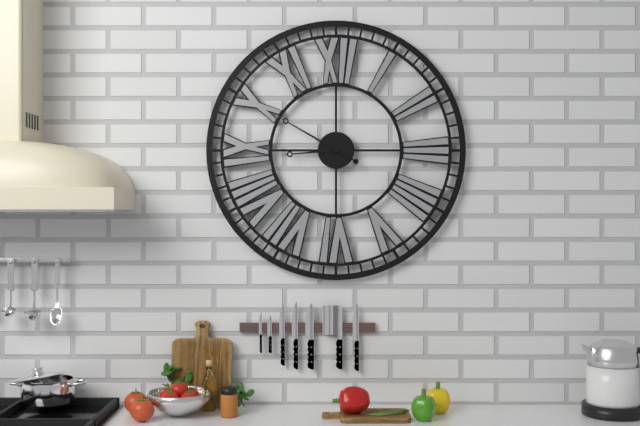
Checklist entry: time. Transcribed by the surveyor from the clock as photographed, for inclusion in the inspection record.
8:50
